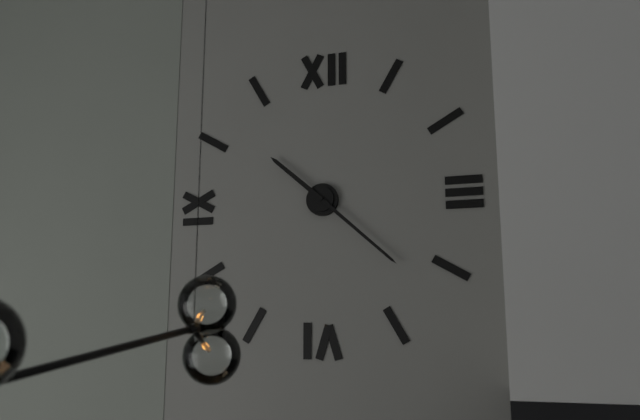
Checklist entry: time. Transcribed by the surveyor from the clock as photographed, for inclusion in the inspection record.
10:22
